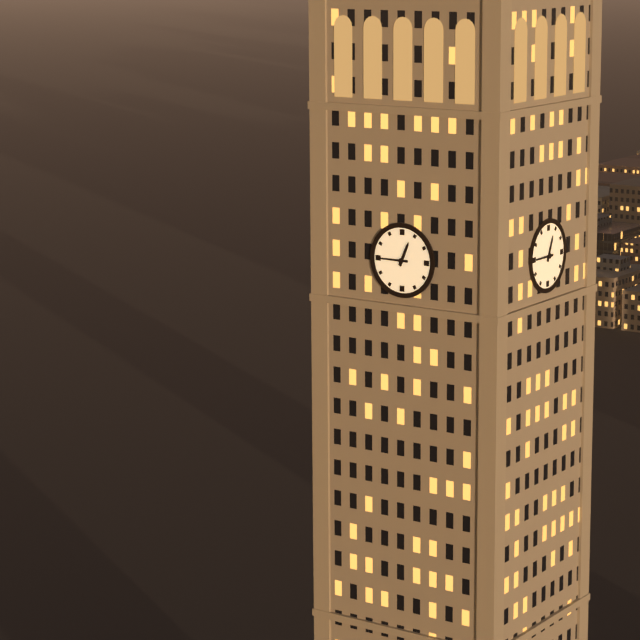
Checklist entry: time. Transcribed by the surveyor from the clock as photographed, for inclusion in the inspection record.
12:45
